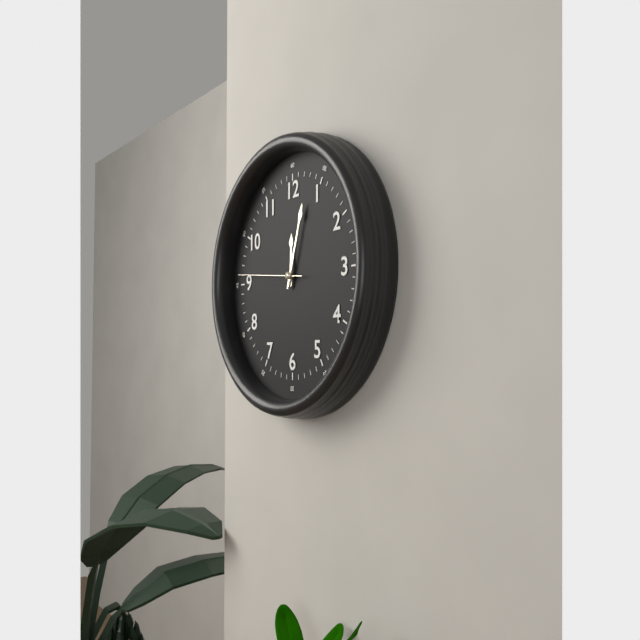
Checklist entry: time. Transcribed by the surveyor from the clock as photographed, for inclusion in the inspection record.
12:03:46
